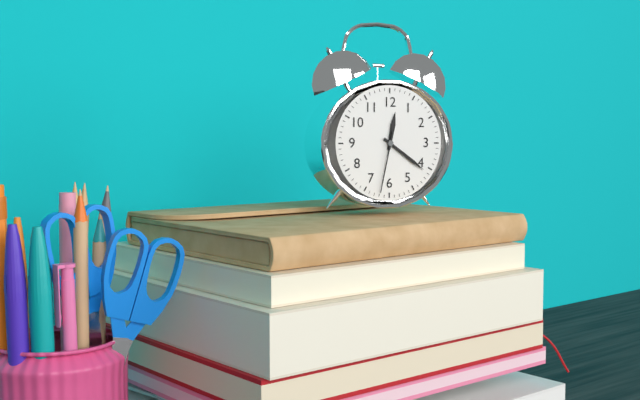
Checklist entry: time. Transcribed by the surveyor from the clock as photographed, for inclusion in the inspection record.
12:21:32
